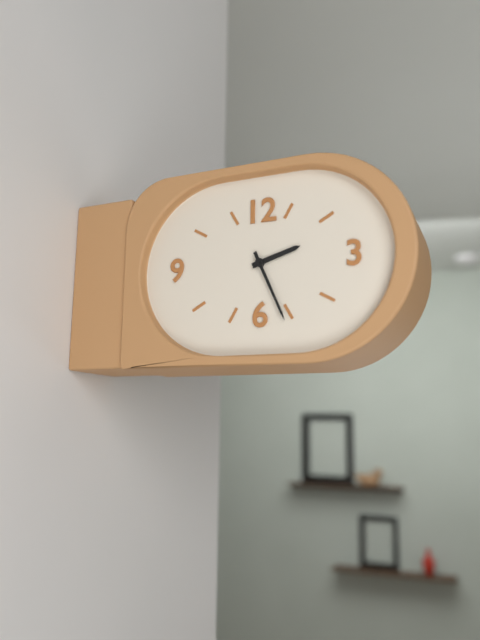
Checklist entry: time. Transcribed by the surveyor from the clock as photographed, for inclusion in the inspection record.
2:26
